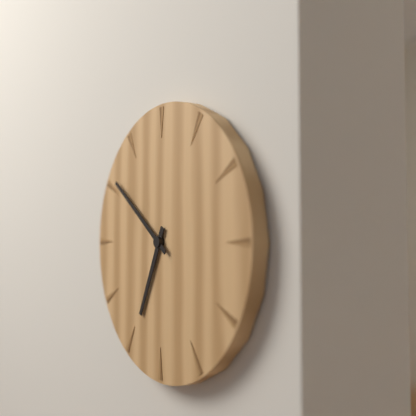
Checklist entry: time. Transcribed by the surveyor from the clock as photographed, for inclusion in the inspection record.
6:51
